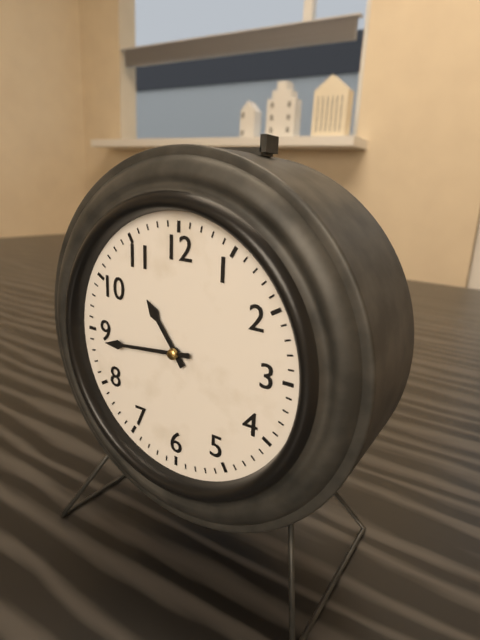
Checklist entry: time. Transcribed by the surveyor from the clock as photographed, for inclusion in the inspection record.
10:44
